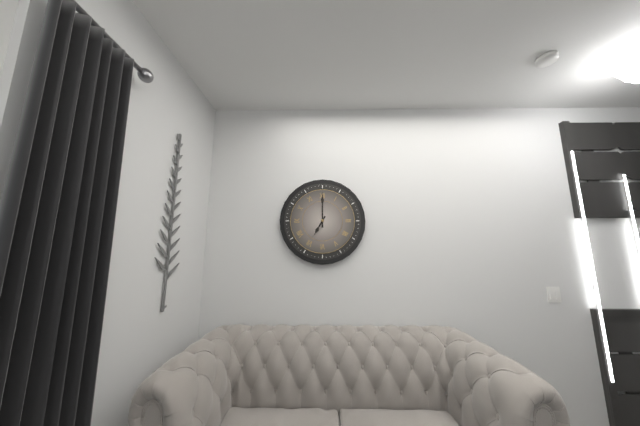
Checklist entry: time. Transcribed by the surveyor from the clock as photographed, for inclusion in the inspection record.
7:00
